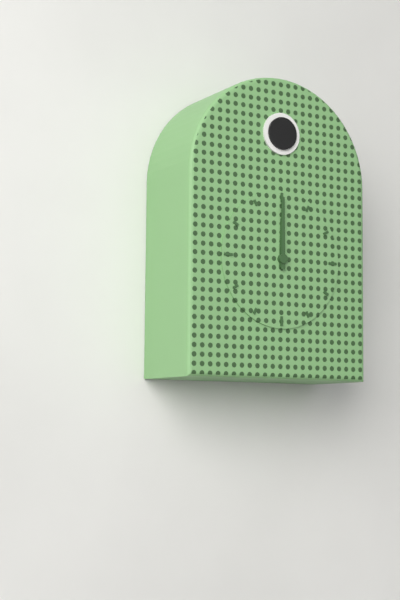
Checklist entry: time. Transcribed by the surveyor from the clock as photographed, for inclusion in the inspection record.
12:00
